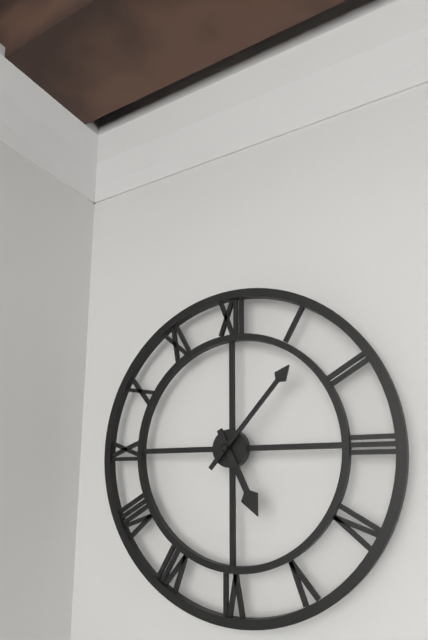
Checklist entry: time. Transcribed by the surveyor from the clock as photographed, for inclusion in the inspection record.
5:07
